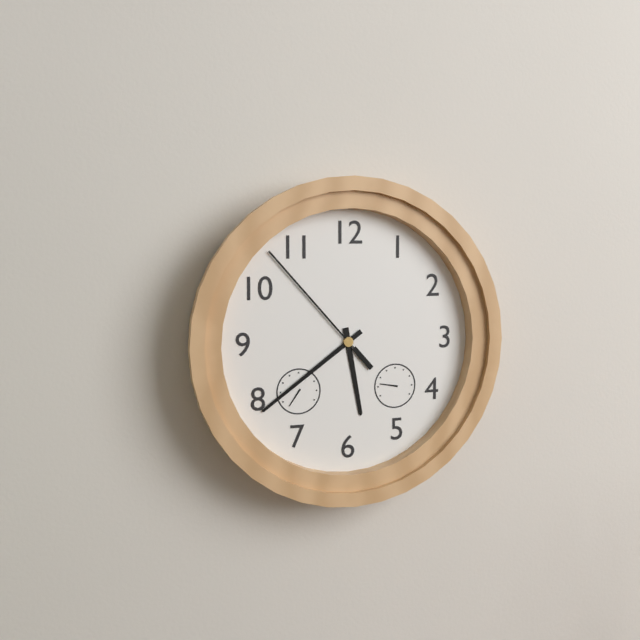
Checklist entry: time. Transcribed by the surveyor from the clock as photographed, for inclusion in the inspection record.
5:39:53
